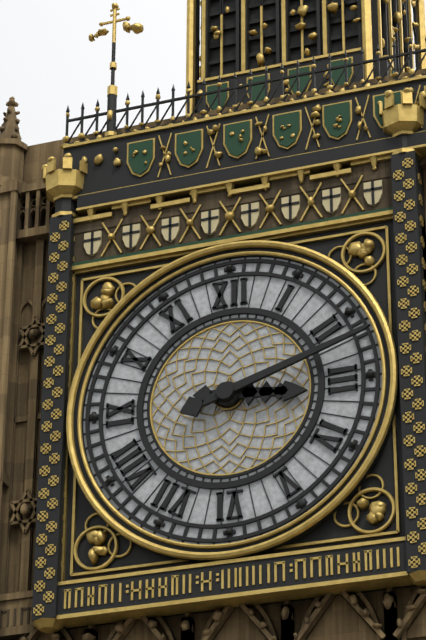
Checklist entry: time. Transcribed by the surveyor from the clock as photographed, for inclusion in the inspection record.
3:12
